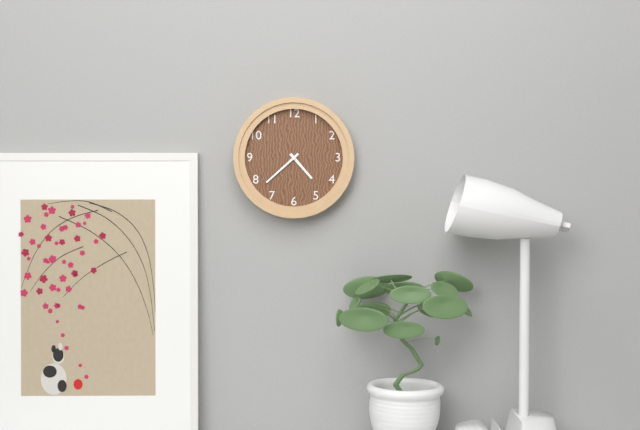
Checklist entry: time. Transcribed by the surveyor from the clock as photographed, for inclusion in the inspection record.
4:38
